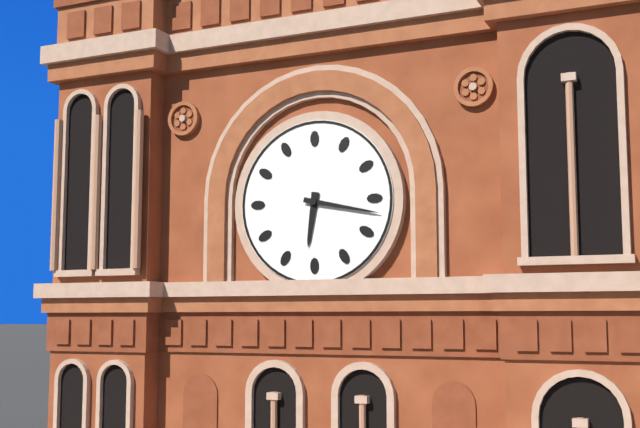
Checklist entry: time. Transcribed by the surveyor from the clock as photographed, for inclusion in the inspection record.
6:17
